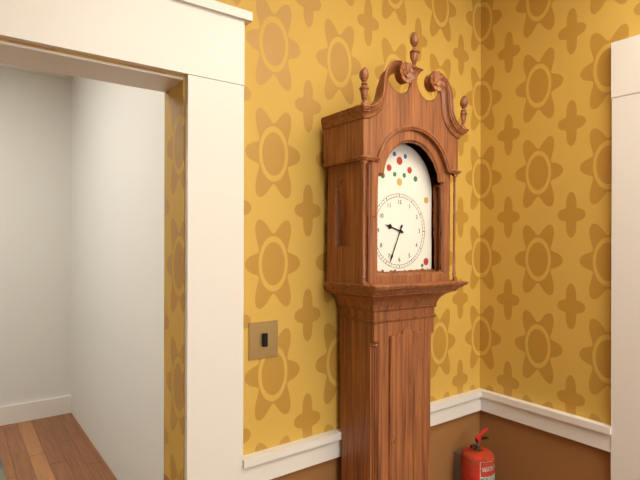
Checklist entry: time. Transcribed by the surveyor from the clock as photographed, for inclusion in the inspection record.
9:34
